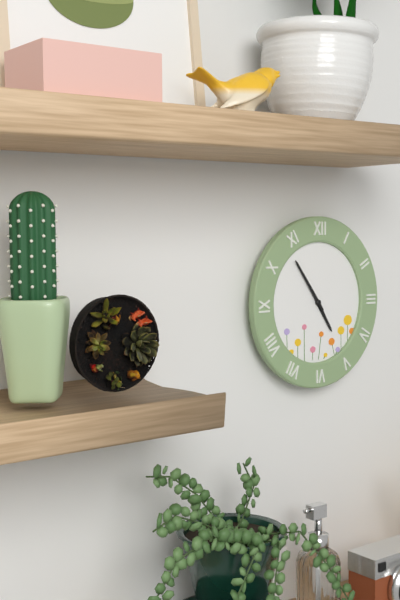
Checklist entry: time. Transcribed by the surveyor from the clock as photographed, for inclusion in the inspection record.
4:54
